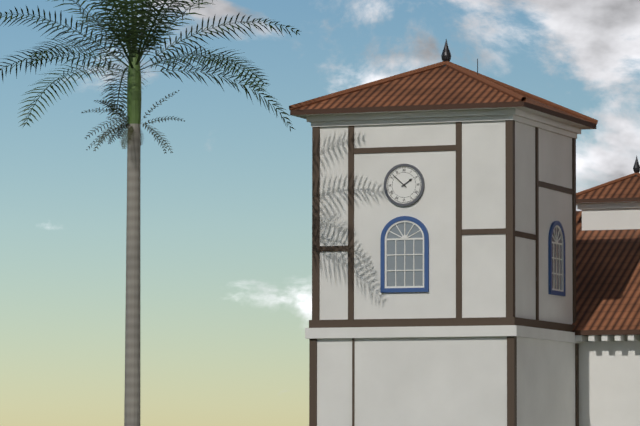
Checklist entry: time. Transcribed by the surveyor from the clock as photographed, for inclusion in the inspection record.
1:52
